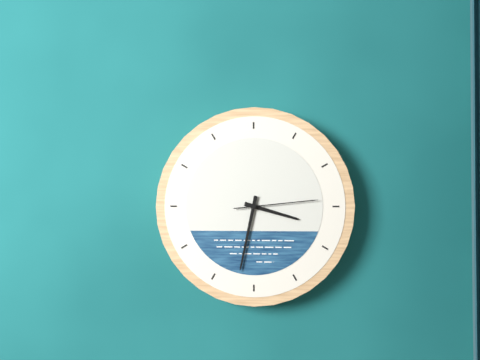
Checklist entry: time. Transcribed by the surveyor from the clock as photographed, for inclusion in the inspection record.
3:32:14
